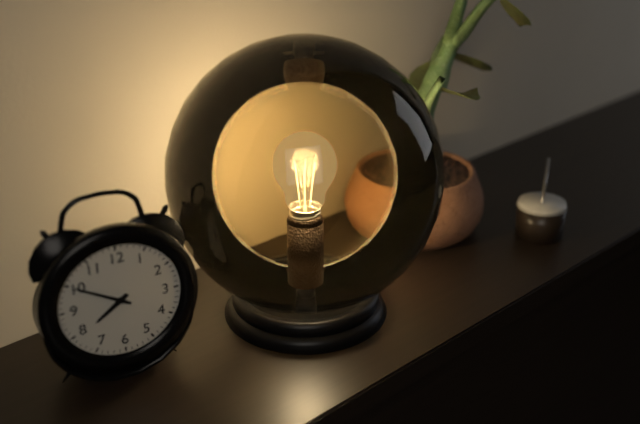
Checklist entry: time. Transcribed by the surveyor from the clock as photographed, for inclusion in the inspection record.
7:50
